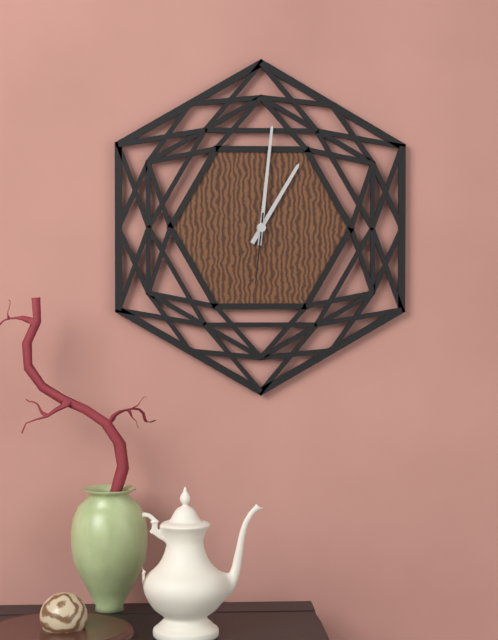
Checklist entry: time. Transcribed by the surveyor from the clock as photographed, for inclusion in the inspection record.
1:01:31
